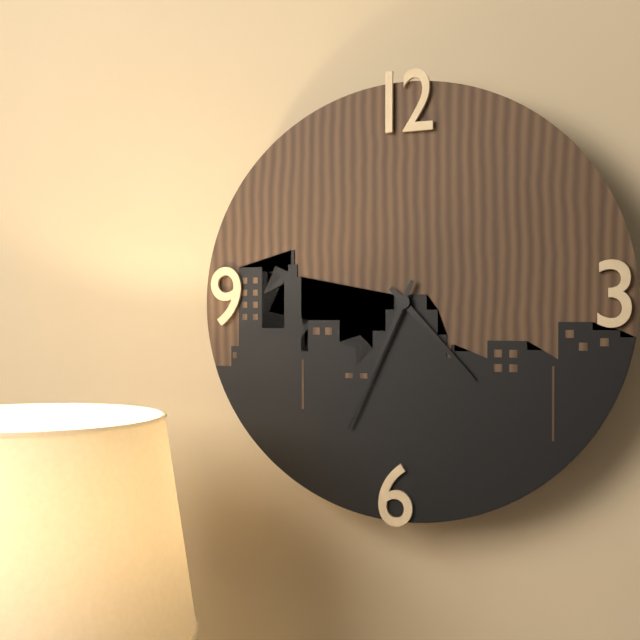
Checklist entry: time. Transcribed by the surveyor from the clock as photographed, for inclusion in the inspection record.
4:34
